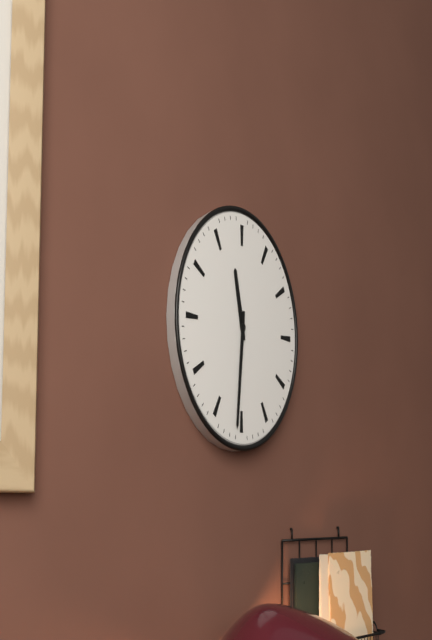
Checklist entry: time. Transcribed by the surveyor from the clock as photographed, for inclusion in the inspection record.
11:31
